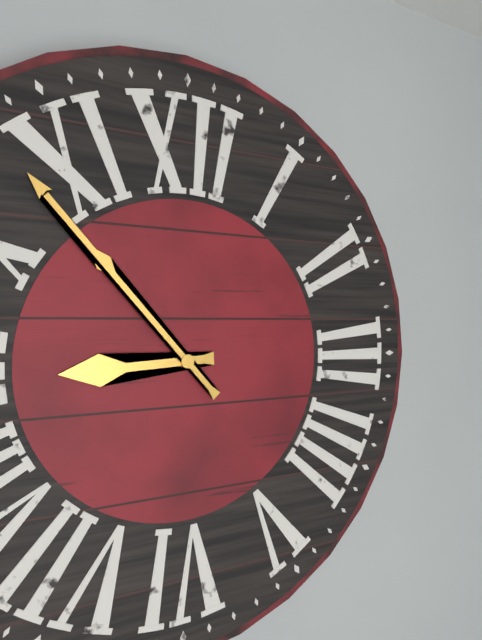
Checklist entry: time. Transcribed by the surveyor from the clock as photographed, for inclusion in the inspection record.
8:53
